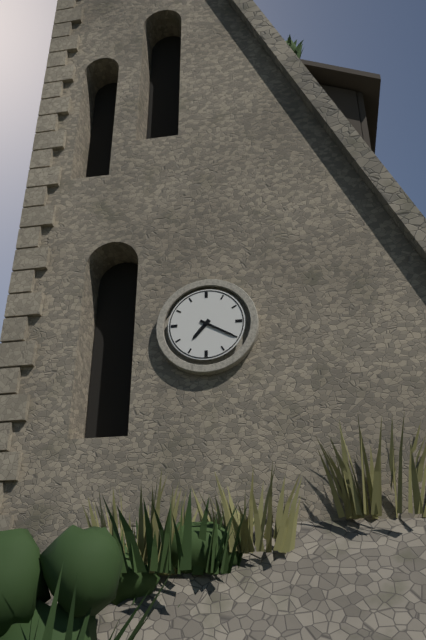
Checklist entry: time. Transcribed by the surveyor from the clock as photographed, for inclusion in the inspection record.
7:20
